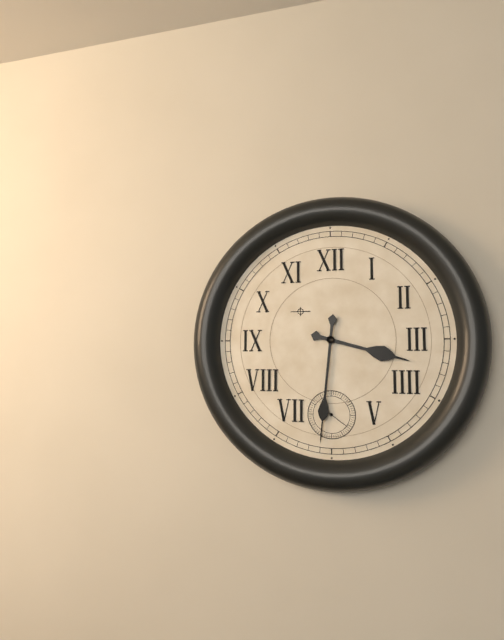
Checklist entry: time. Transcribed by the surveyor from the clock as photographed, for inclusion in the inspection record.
3:31
